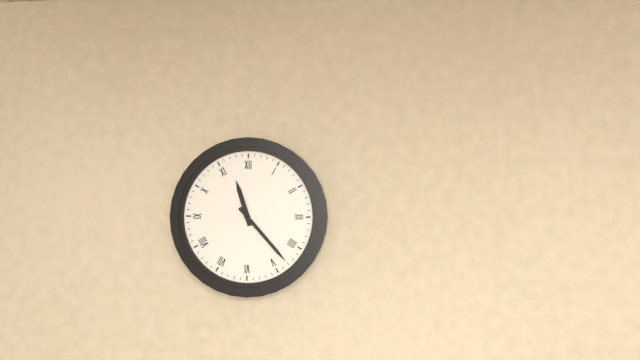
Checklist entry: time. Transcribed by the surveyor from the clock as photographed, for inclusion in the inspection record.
11:23
